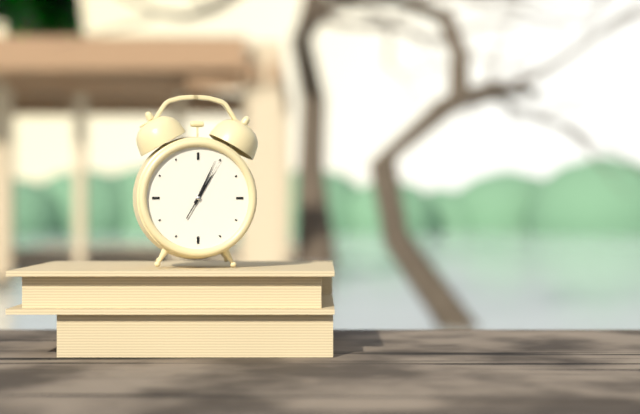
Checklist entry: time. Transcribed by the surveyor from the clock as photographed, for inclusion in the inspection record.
1:04:05
